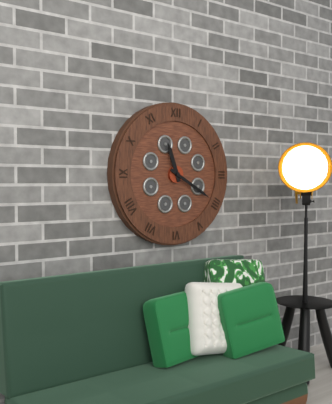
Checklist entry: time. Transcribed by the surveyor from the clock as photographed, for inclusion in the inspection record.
11:20
